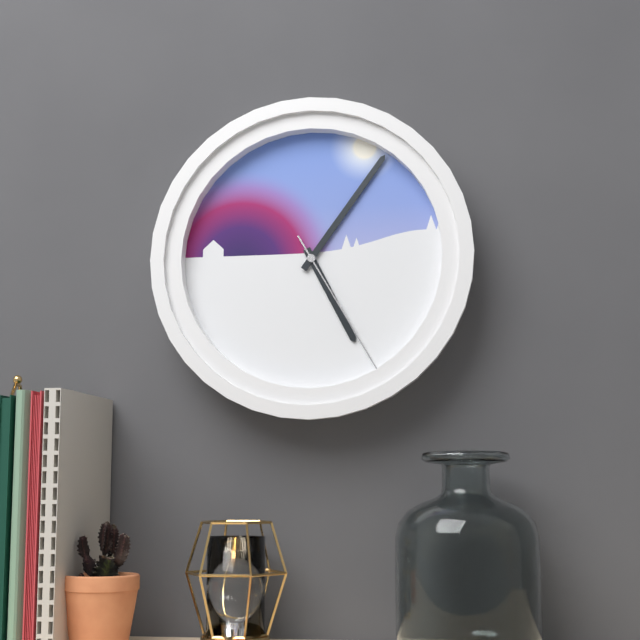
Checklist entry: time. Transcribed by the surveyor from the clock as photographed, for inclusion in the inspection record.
5:06:25
